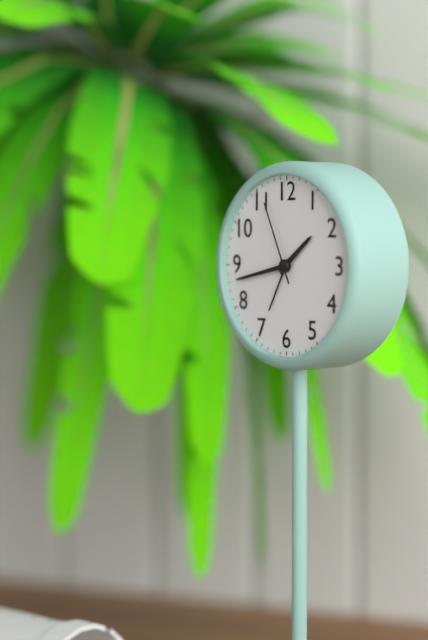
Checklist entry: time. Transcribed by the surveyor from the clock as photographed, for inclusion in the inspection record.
1:43:56
